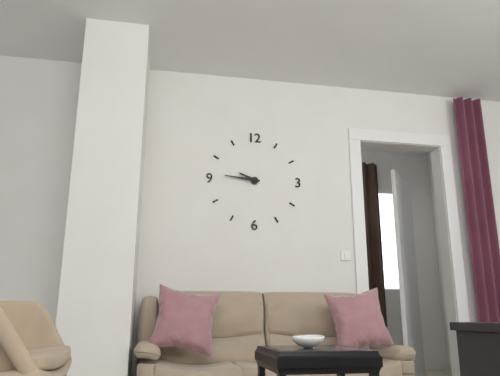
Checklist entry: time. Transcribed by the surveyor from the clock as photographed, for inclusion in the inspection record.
9:46
